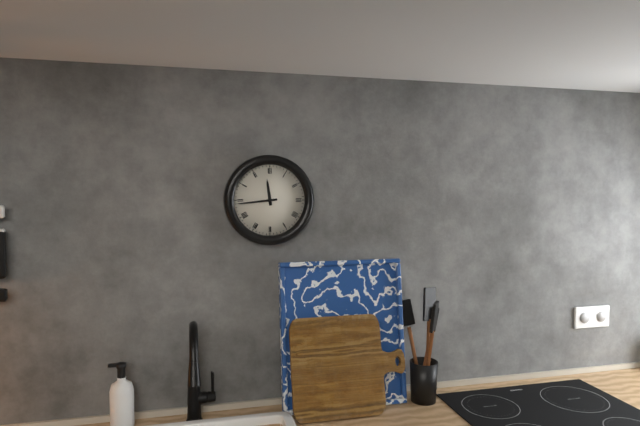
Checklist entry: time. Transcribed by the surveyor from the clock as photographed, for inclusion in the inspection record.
11:44
